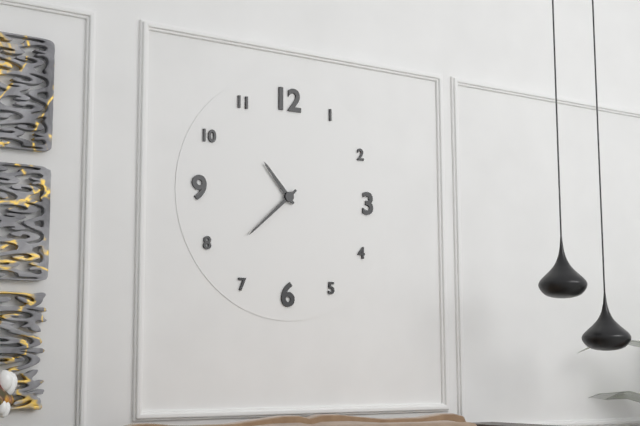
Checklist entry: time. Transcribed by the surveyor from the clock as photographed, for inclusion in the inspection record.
10:38
